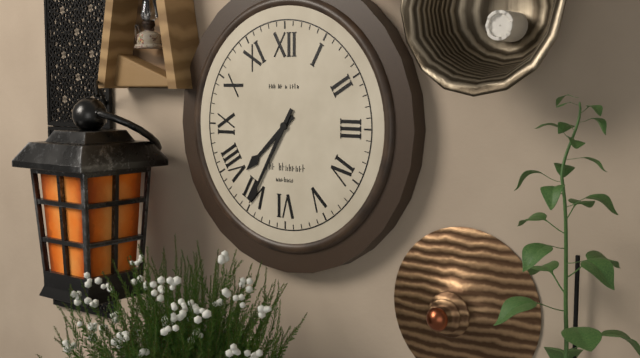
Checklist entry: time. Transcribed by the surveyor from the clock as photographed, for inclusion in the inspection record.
7:35
